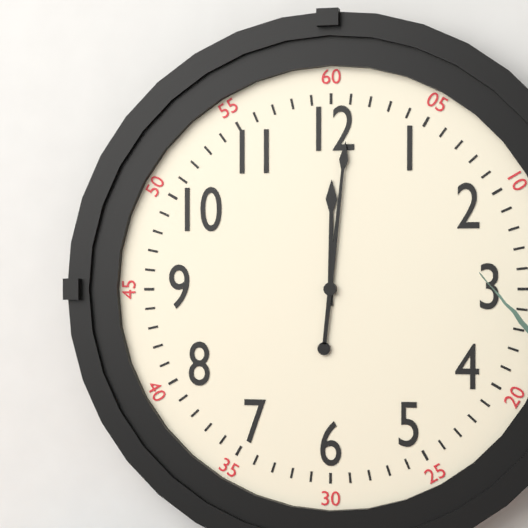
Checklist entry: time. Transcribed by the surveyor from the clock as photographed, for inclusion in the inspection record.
12:01
